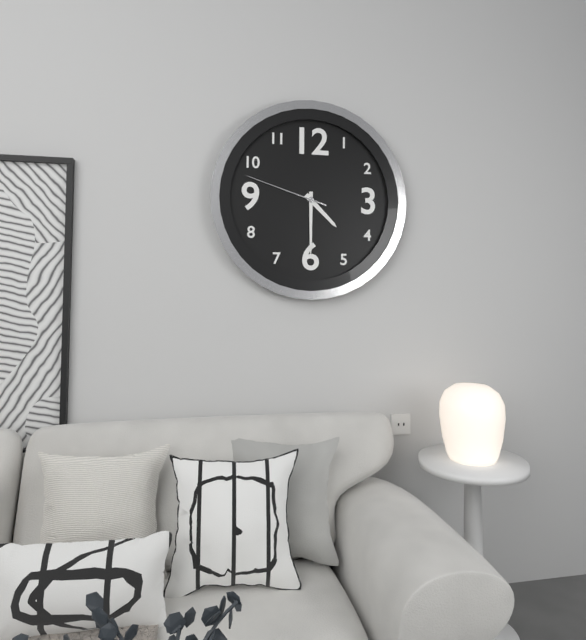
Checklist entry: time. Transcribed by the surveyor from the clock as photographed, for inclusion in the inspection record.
4:30:48
